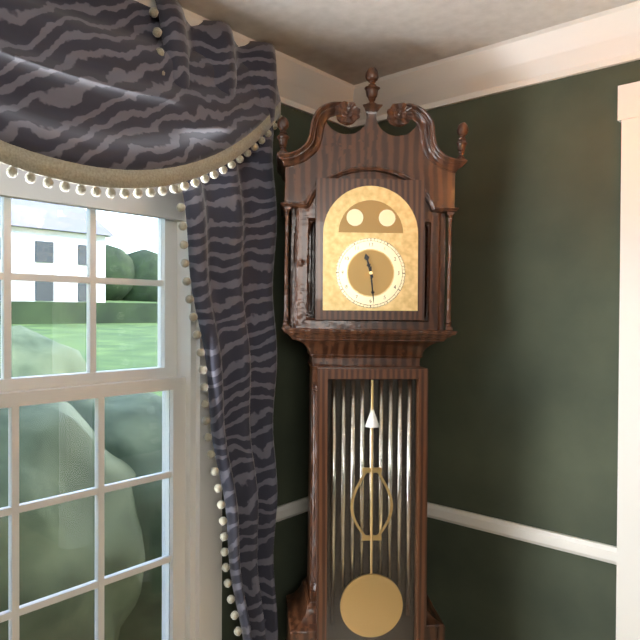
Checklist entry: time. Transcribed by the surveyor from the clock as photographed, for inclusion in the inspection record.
11:29
